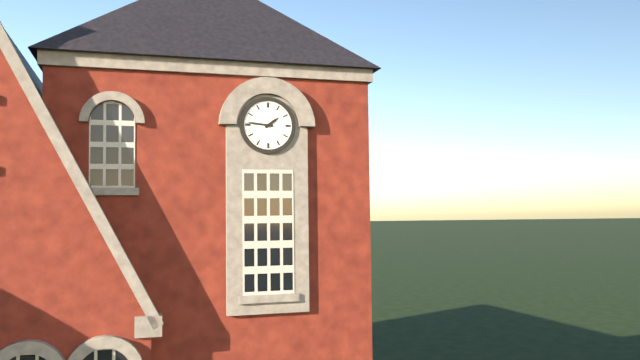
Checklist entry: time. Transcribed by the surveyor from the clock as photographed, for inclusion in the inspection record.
1:46
